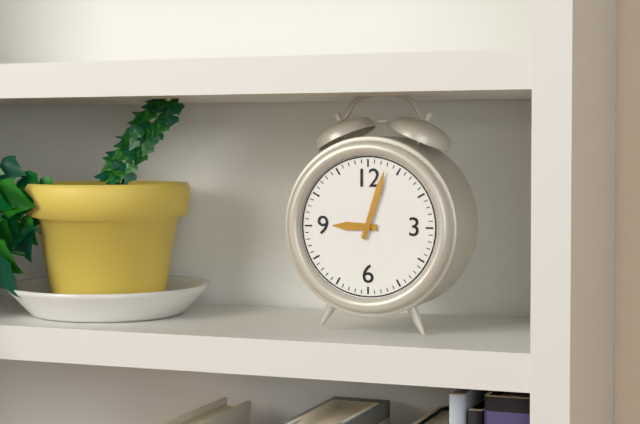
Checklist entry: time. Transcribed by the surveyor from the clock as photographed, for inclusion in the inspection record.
9:03
